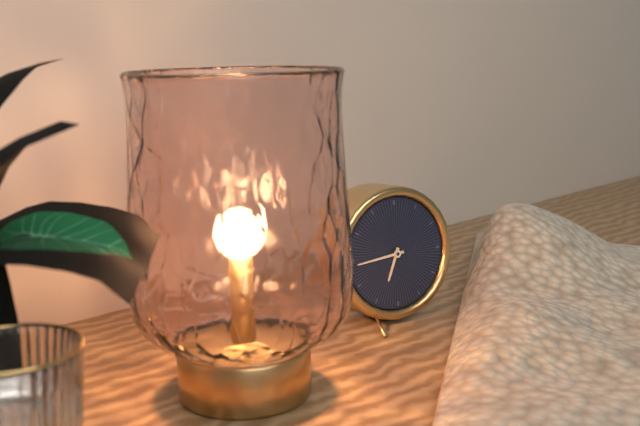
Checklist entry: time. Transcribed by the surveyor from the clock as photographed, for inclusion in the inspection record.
6:44
